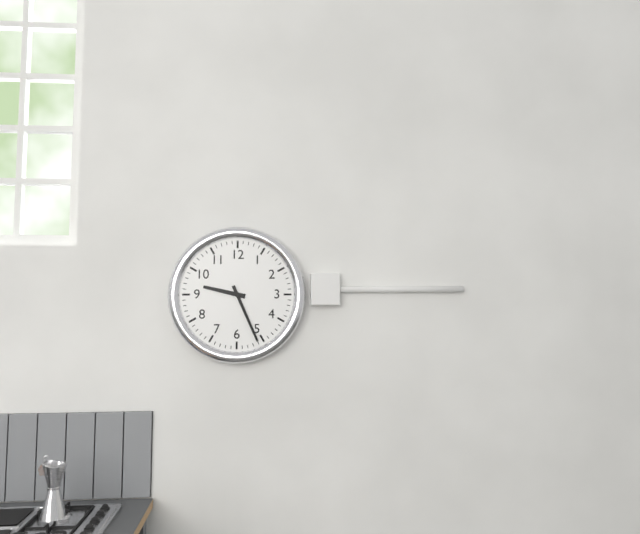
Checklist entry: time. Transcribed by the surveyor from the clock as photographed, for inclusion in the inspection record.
9:26
